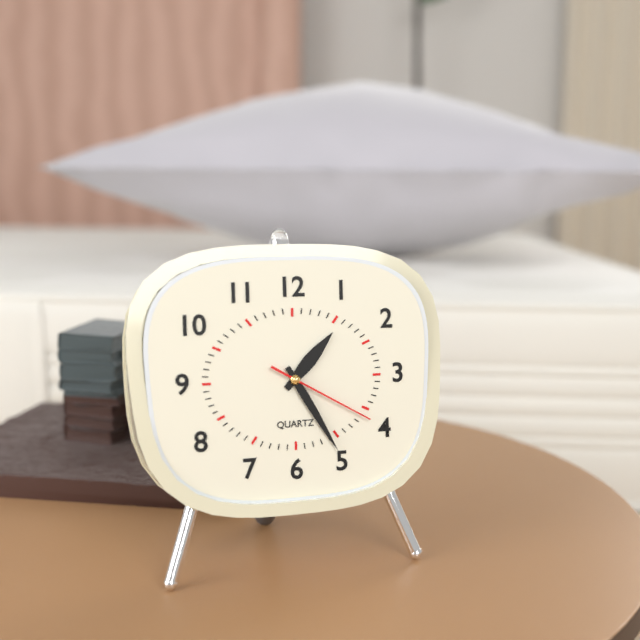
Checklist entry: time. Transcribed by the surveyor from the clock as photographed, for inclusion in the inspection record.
1:25:20
